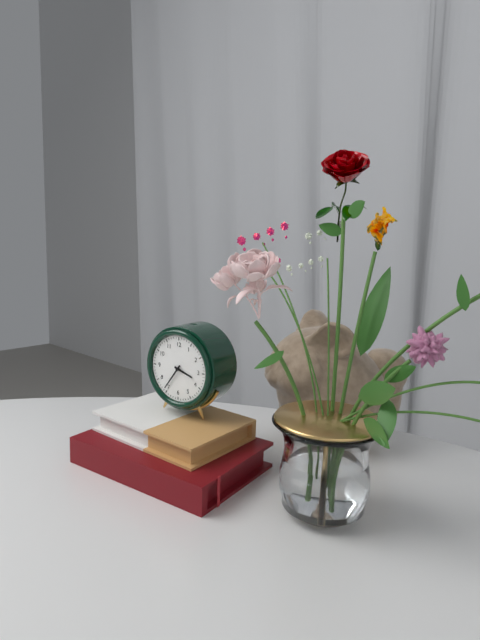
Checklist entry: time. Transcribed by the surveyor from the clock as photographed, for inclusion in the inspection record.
3:36
